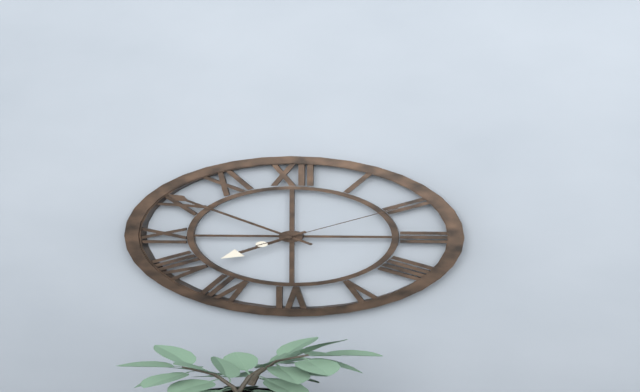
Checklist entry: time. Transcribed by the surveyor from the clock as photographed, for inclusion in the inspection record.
7:51:10
